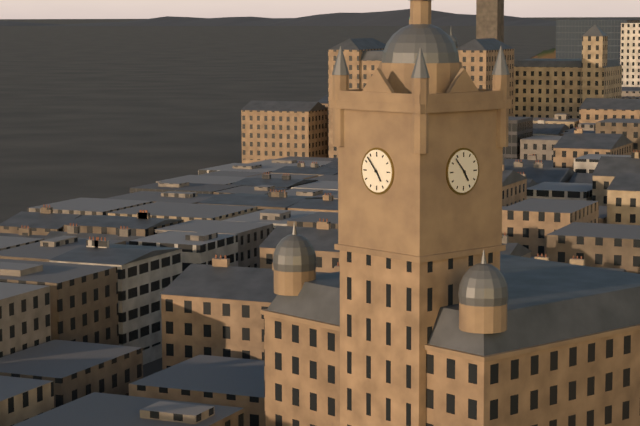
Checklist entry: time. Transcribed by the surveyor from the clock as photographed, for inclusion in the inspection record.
4:53
